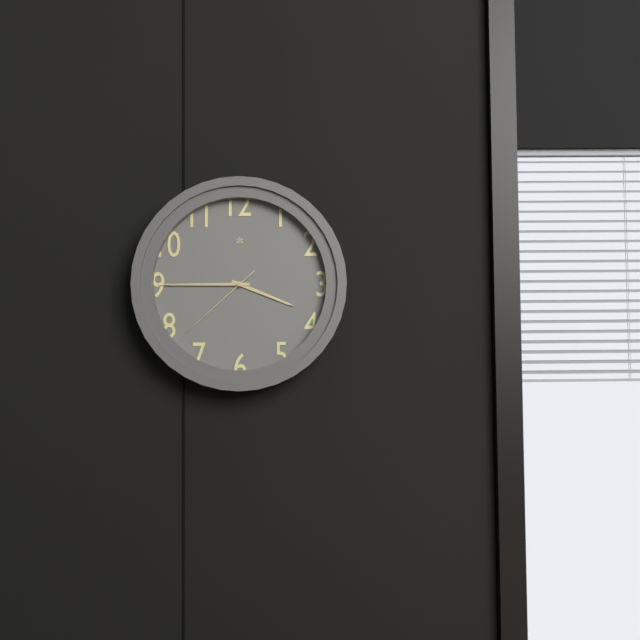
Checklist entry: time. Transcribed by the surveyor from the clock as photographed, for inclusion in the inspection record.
3:45:38
